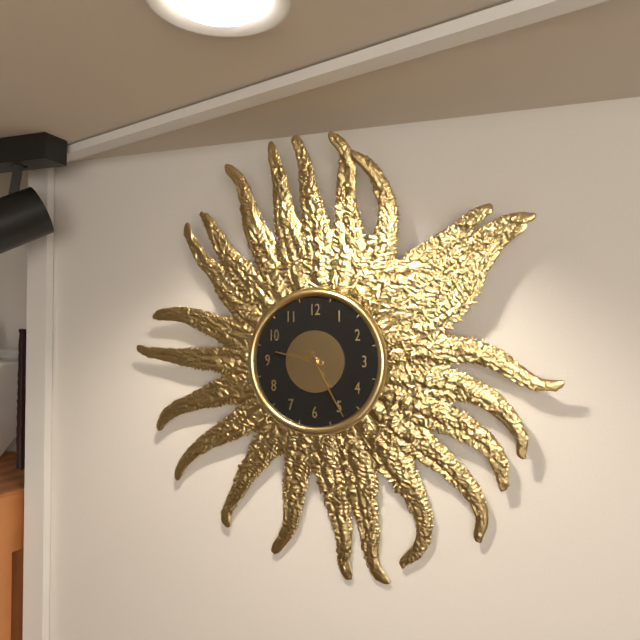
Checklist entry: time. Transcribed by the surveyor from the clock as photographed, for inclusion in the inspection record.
9:25
